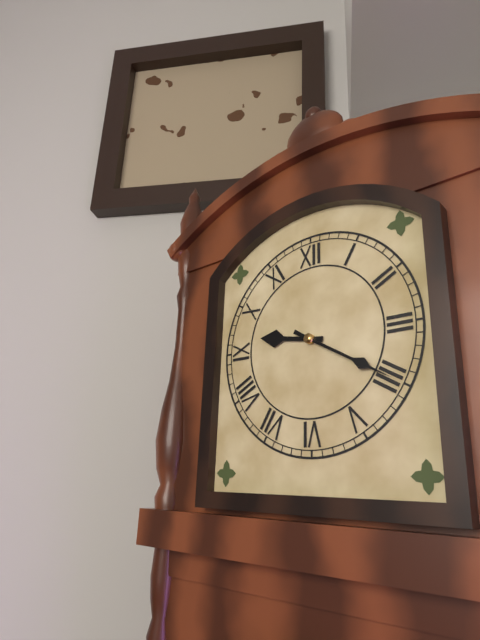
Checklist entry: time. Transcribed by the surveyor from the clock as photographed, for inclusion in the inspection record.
9:20
